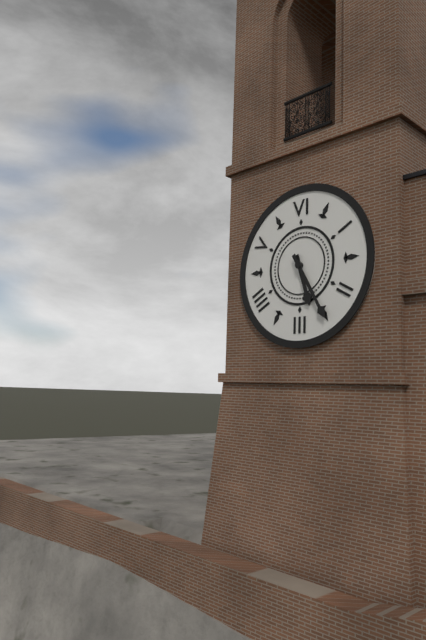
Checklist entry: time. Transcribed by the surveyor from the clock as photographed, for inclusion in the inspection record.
5:25
